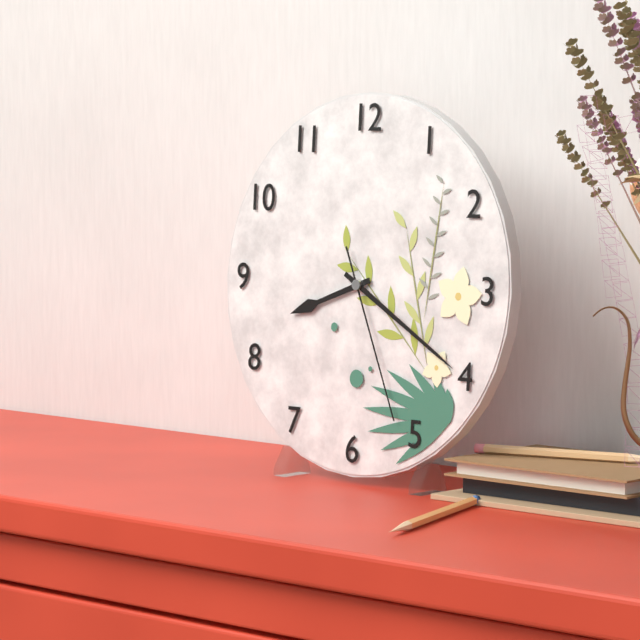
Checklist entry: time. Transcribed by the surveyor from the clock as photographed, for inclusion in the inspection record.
8:20:26
